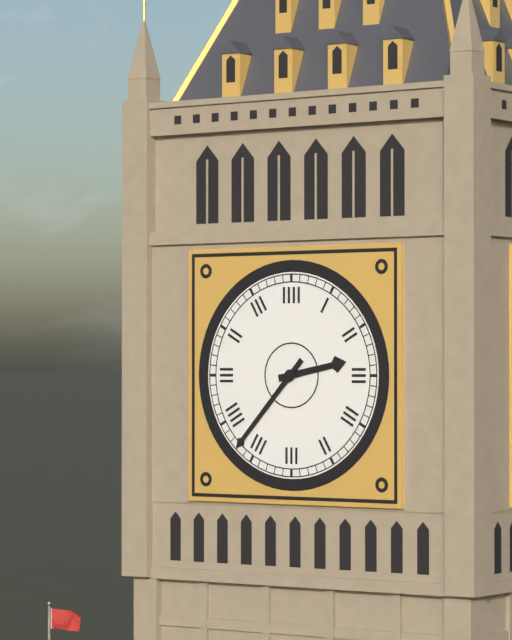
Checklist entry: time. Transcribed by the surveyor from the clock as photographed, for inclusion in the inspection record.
2:37
